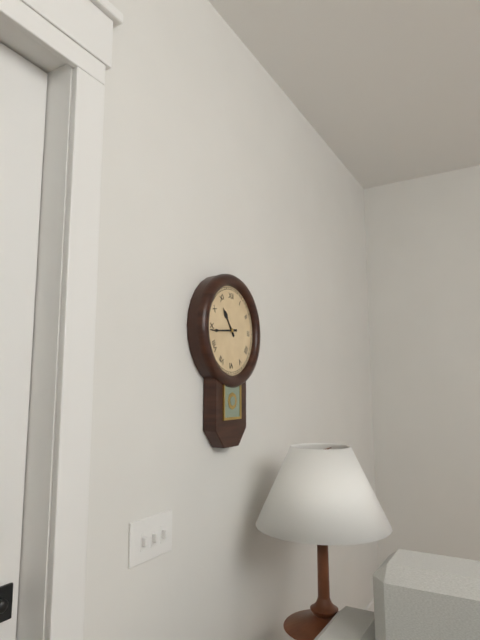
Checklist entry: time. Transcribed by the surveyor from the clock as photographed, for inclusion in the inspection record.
10:44
